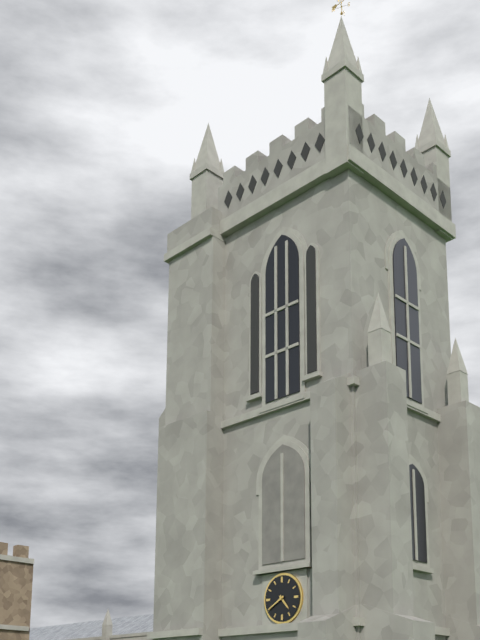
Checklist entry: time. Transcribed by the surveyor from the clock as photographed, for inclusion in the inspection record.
4:40
